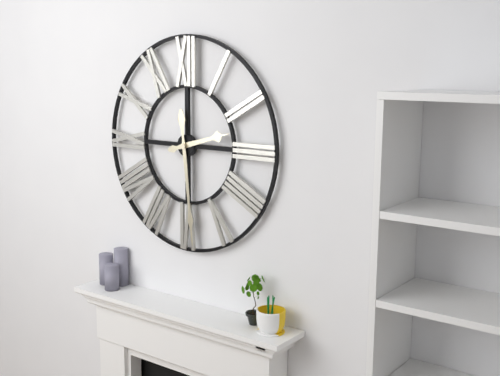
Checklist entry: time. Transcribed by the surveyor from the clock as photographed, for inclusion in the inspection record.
2:29
